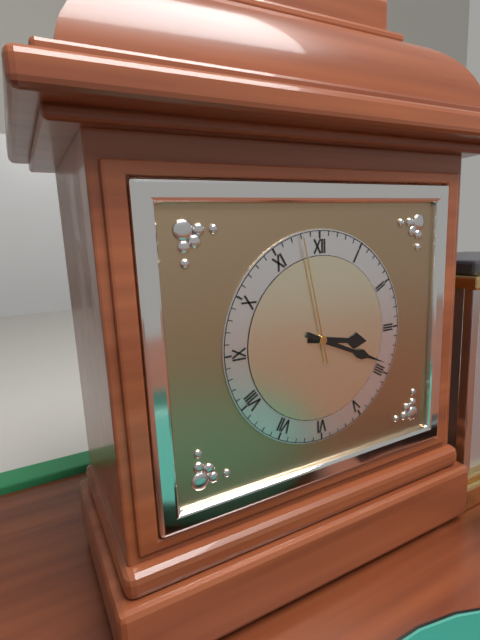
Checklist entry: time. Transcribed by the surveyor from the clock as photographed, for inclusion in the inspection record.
3:19:58
